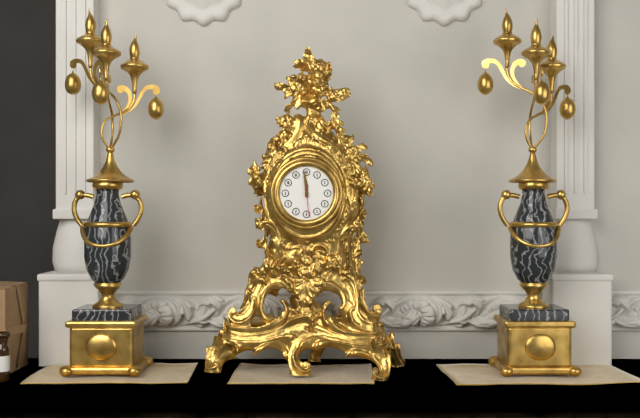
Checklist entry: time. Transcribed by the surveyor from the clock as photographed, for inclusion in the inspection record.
11:59
